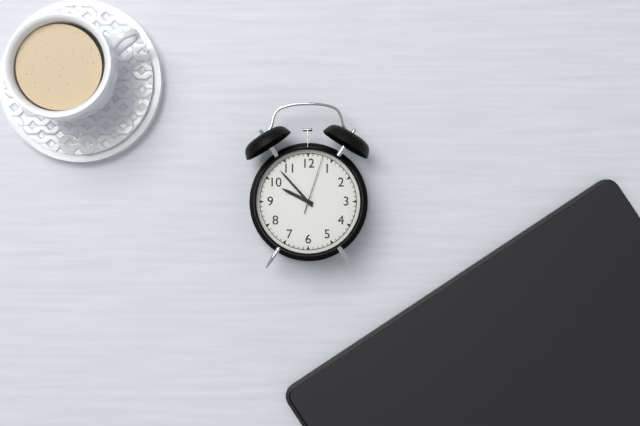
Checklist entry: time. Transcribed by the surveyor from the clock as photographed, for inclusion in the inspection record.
9:53:03
